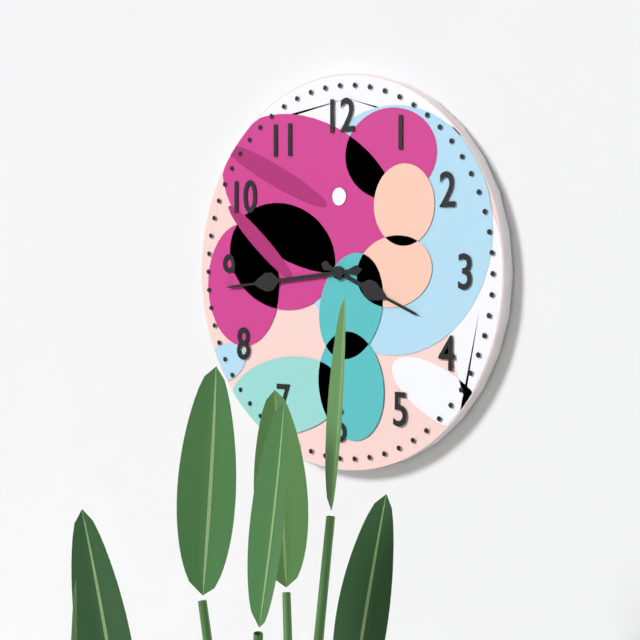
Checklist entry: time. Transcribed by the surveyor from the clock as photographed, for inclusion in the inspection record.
3:44
